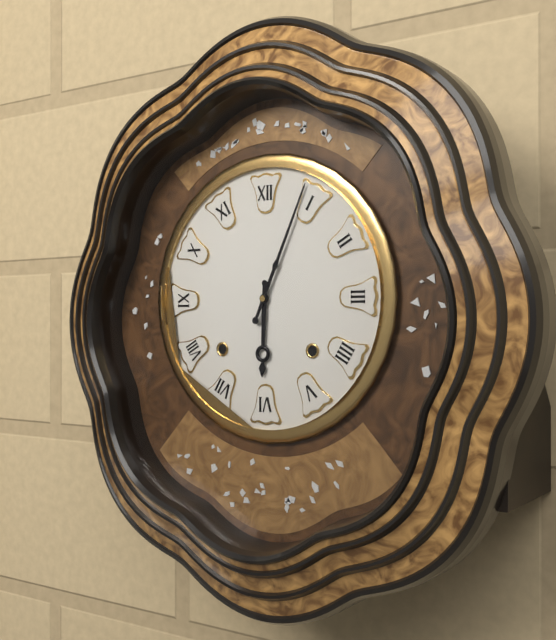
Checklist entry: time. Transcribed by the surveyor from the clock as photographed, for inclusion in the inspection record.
6:04
